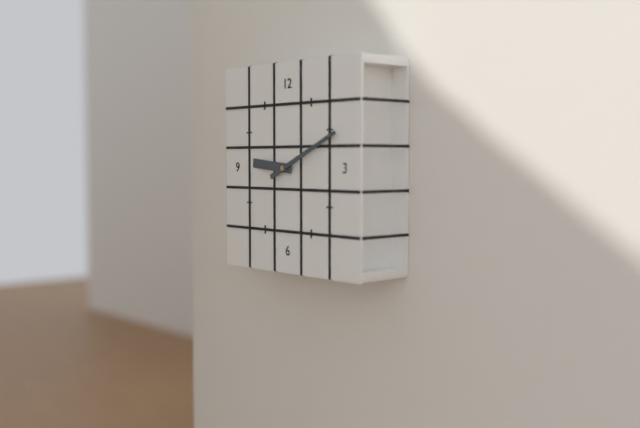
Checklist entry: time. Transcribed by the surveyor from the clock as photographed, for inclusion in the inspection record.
9:11
